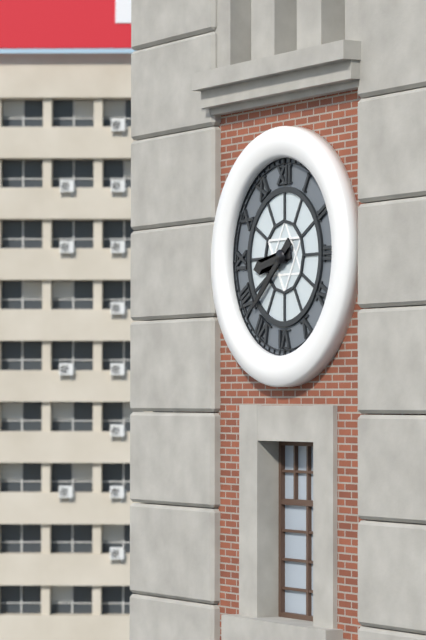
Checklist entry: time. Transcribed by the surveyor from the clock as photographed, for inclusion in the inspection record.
8:38
